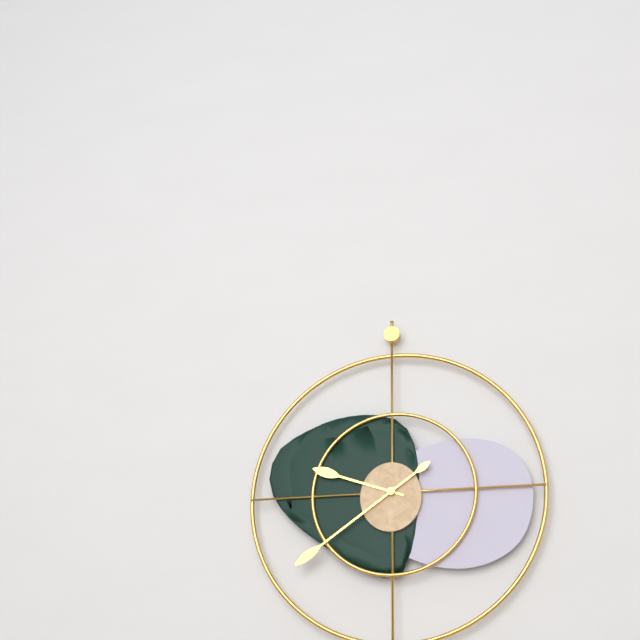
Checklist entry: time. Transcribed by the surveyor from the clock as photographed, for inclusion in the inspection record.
9:39
